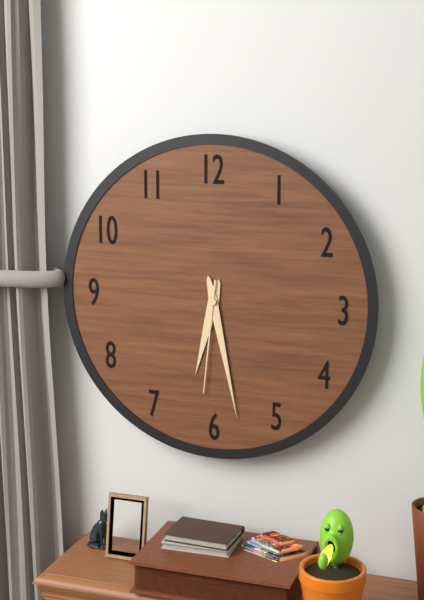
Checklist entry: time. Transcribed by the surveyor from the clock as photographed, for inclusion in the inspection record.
6:28:31
